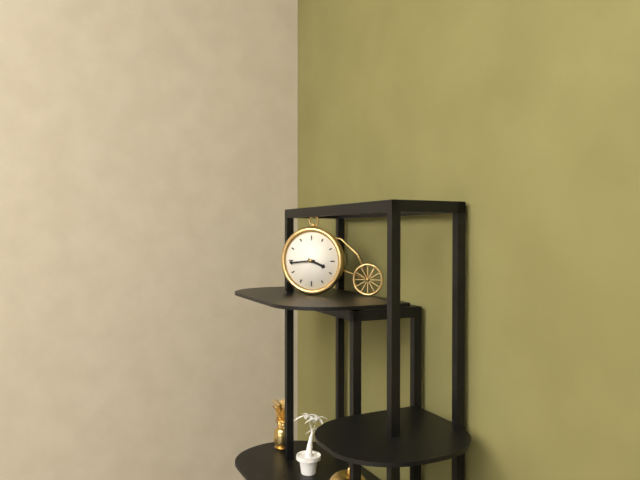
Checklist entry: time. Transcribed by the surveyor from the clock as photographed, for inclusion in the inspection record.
3:44
